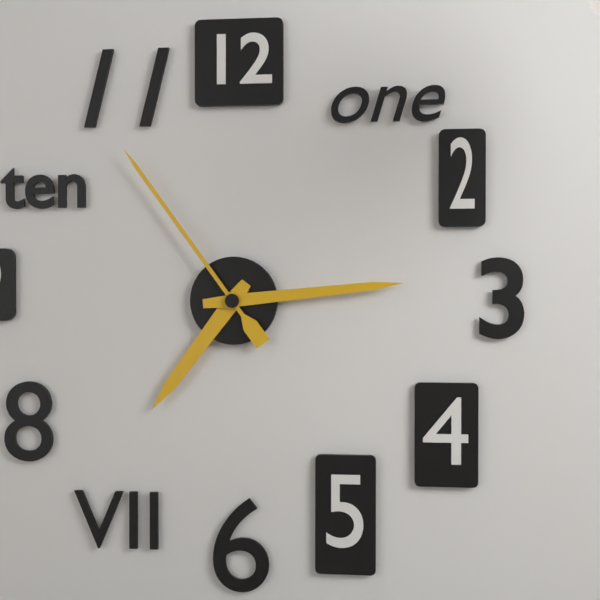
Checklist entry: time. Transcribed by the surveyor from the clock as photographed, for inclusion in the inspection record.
7:14:54
